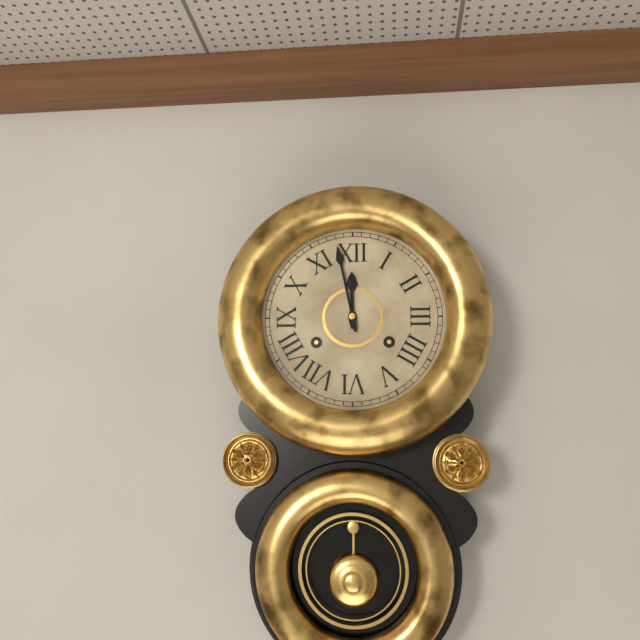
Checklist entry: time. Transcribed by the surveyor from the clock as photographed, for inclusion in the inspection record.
11:58
